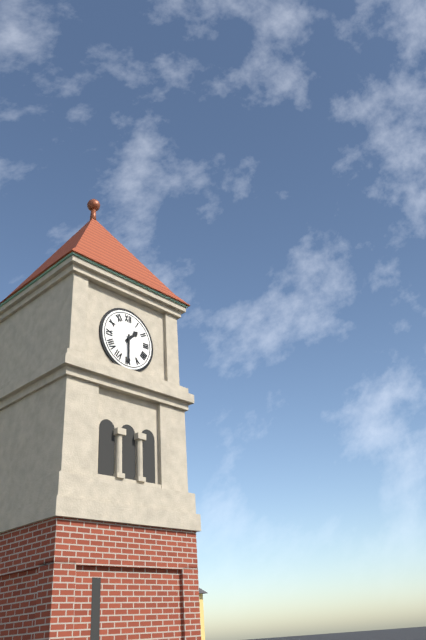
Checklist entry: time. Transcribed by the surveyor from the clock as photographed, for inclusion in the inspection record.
1:30
